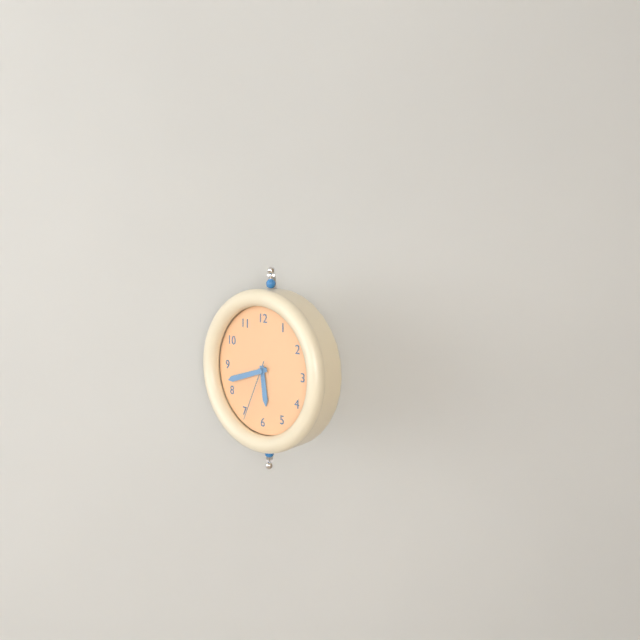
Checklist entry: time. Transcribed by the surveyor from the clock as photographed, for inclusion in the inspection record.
5:42:34
